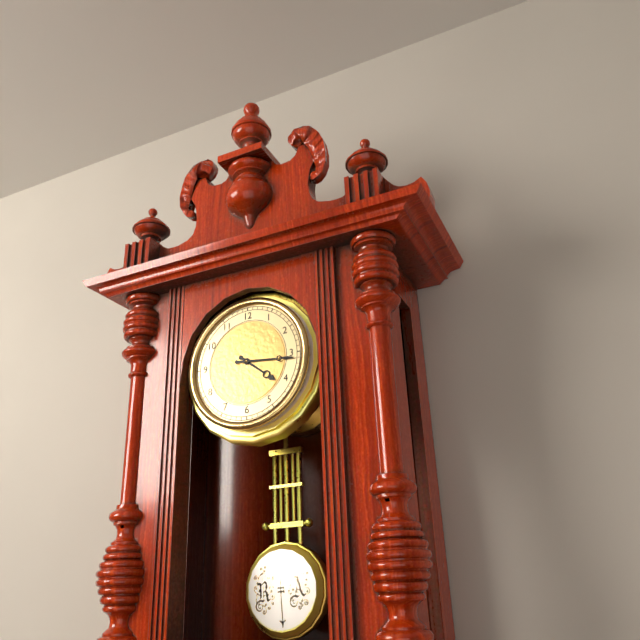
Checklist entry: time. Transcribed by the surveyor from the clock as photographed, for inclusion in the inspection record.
4:16
